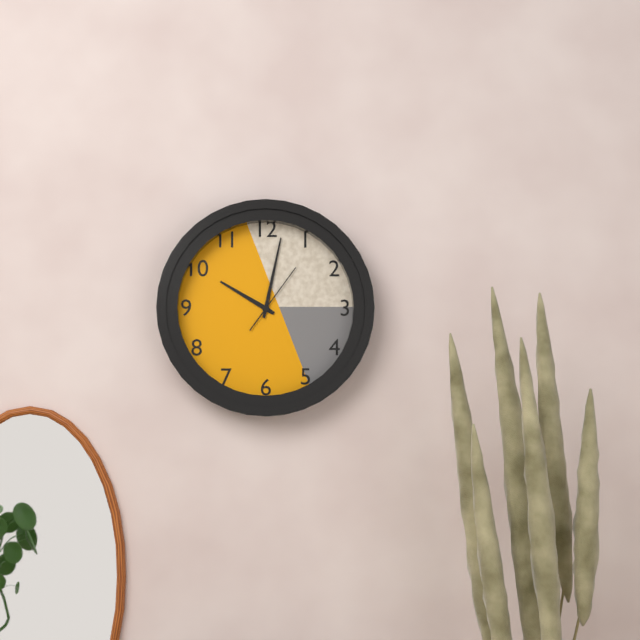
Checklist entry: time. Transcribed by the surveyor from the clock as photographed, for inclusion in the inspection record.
10:02:06
